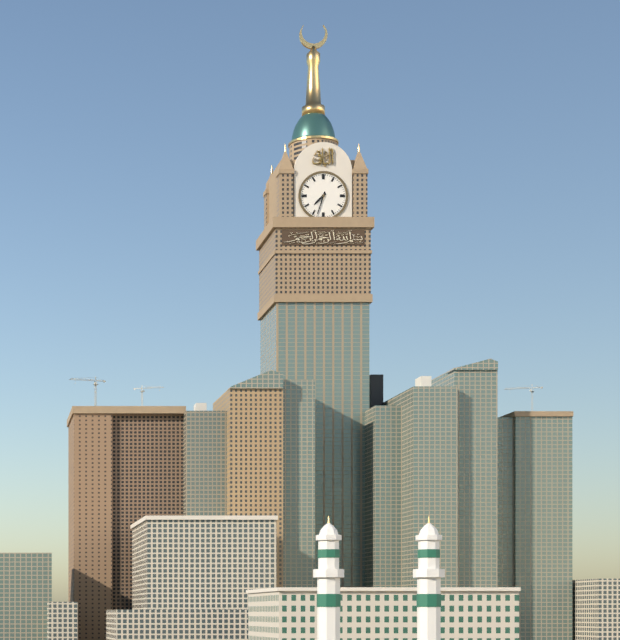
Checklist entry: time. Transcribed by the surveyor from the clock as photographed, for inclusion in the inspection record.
7:33
